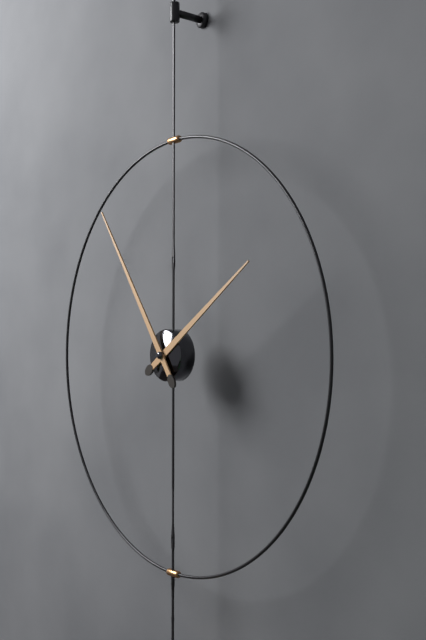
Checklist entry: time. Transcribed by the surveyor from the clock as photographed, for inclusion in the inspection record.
1:54
